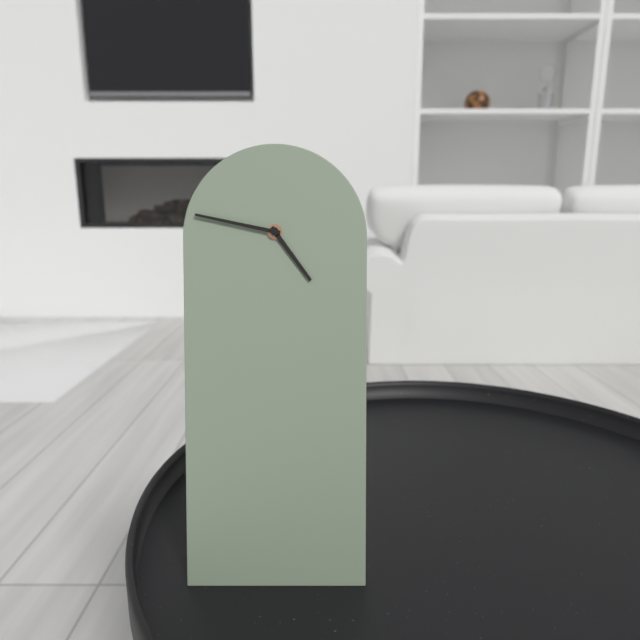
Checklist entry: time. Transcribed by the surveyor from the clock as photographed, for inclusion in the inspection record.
4:47
